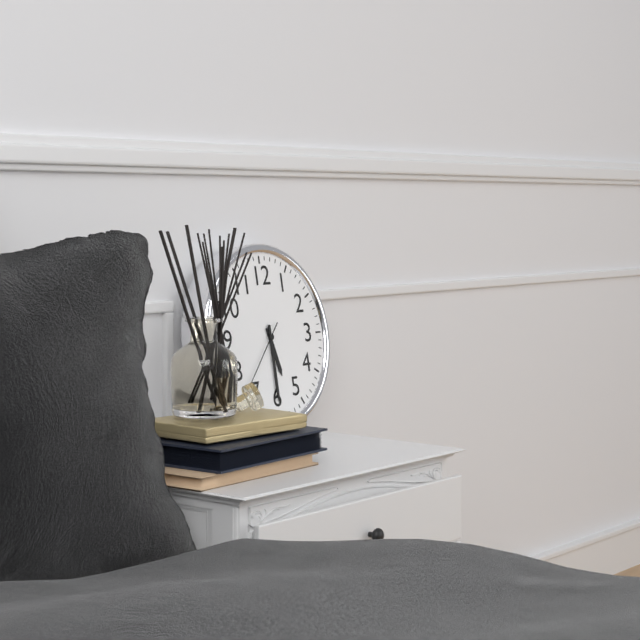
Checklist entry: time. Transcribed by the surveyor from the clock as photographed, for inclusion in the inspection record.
5:30:37
